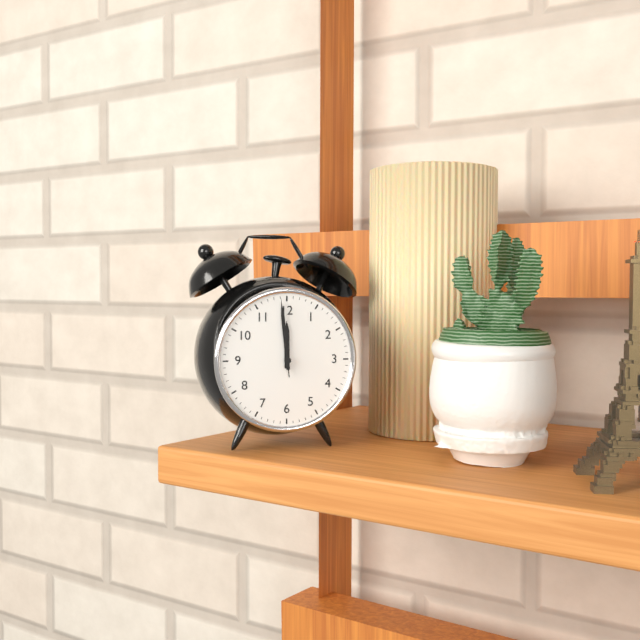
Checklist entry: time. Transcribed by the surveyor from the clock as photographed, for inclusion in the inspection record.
11:59:59
